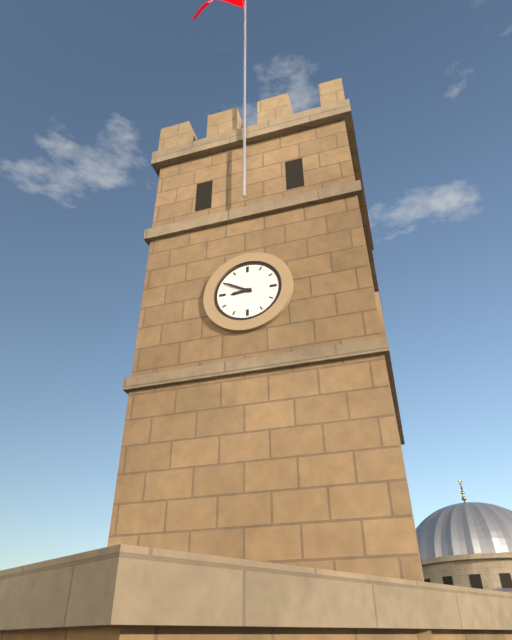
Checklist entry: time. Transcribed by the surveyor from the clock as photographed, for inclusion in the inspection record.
8:50
